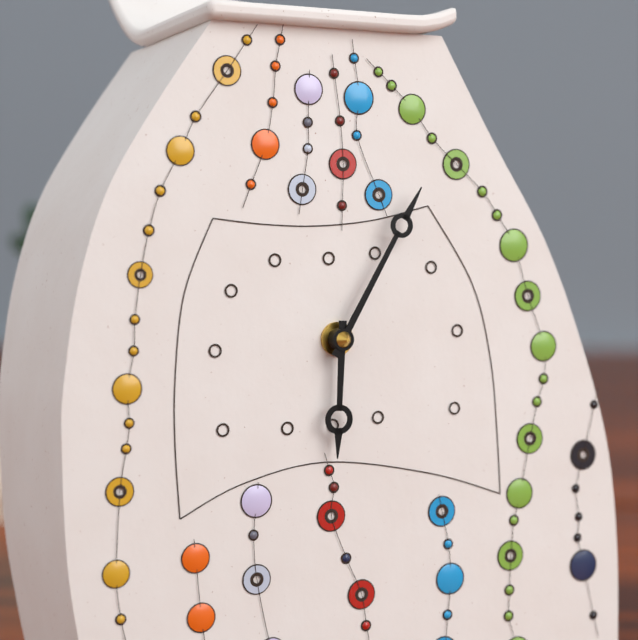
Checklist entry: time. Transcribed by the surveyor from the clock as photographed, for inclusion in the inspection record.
6:05
